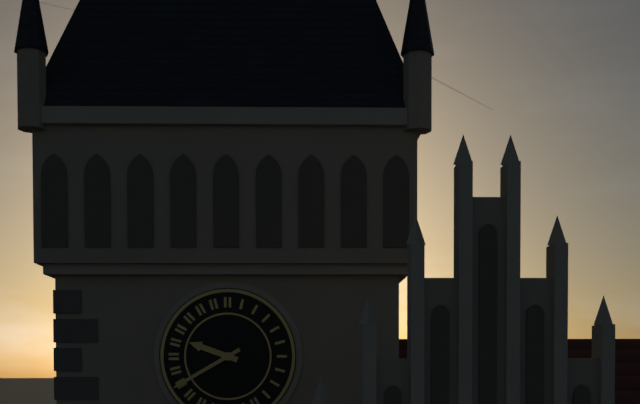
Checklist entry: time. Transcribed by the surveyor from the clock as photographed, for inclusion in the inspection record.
9:40
